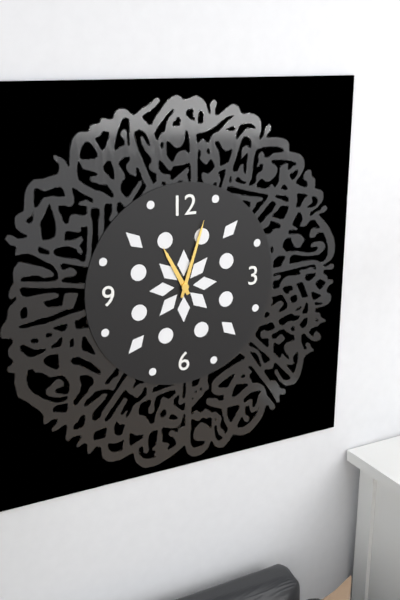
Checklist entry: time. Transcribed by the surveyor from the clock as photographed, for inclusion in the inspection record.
11:03
